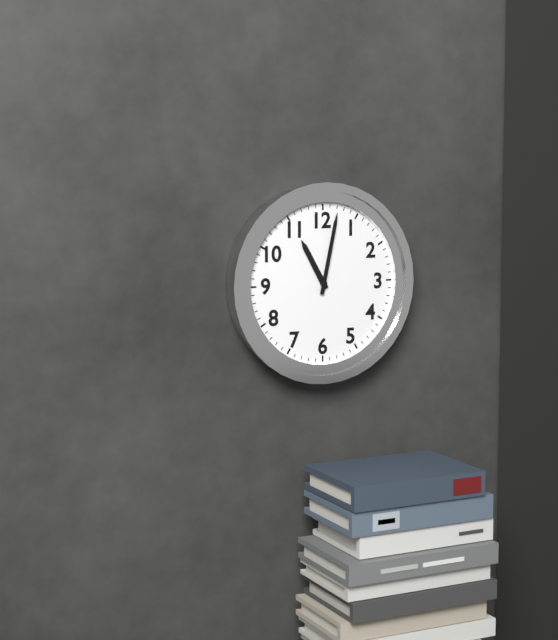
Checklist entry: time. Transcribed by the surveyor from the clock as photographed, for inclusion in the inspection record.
11:02
